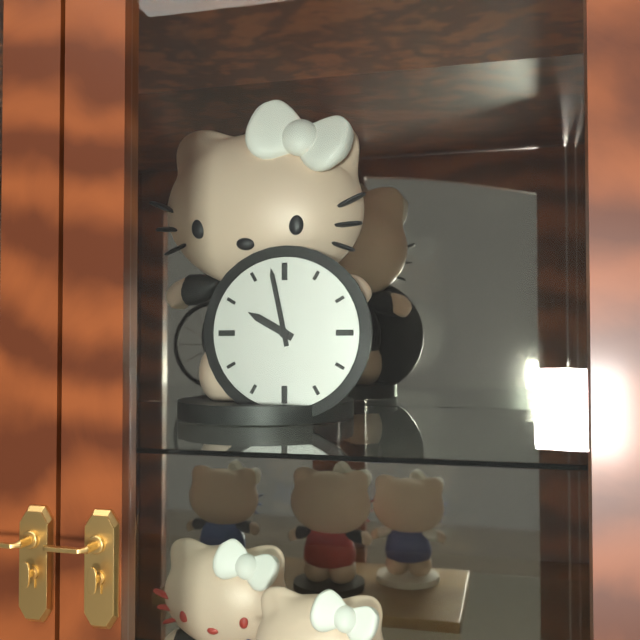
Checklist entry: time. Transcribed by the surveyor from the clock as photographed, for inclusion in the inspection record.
9:58
